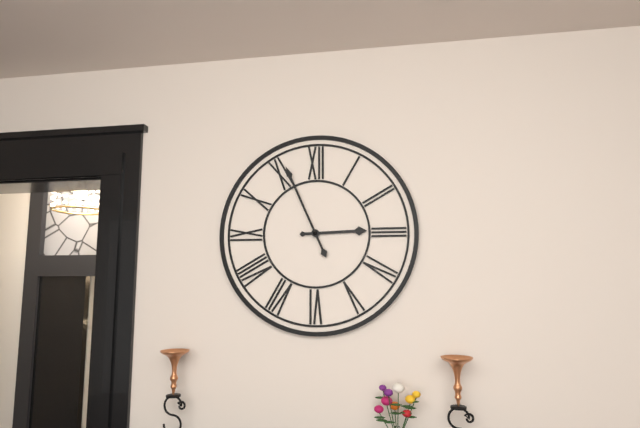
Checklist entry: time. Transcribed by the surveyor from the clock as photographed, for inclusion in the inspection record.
2:56
